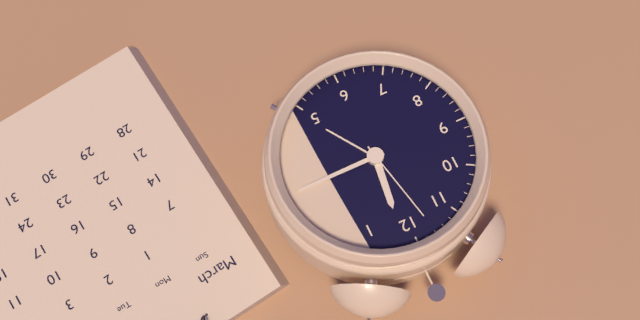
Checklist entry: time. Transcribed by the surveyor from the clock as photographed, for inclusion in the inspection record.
12:15:58
